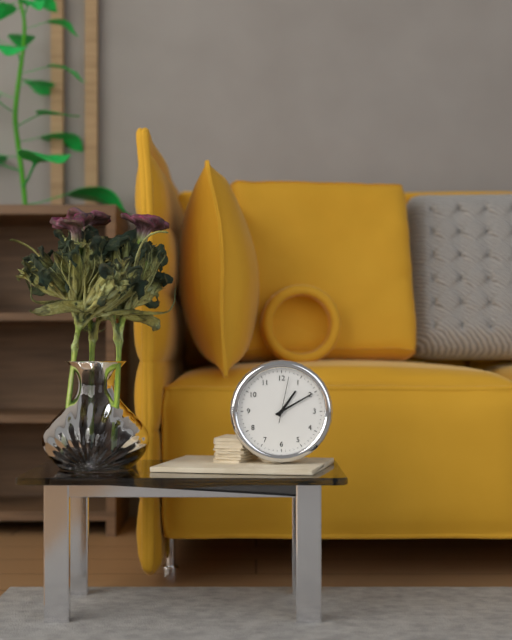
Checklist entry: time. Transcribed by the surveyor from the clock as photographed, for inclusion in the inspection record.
1:10
